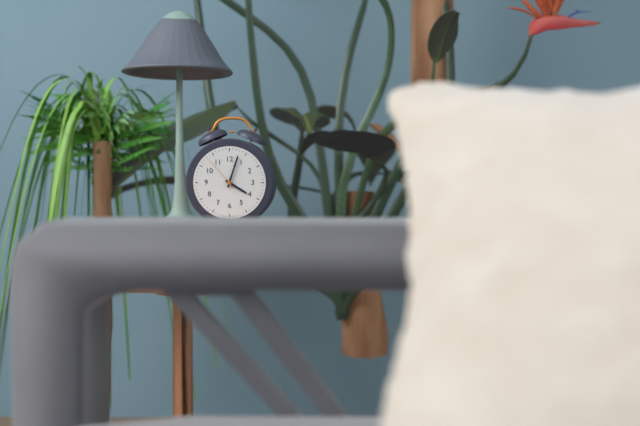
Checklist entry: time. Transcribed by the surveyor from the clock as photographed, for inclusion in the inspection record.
4:03
